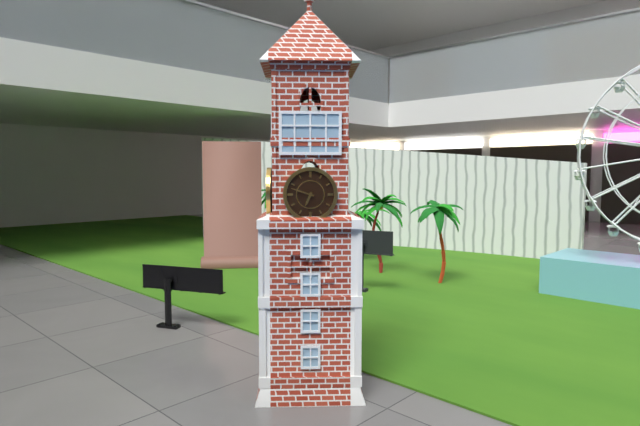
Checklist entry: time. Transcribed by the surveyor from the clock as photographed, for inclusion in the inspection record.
6:48
